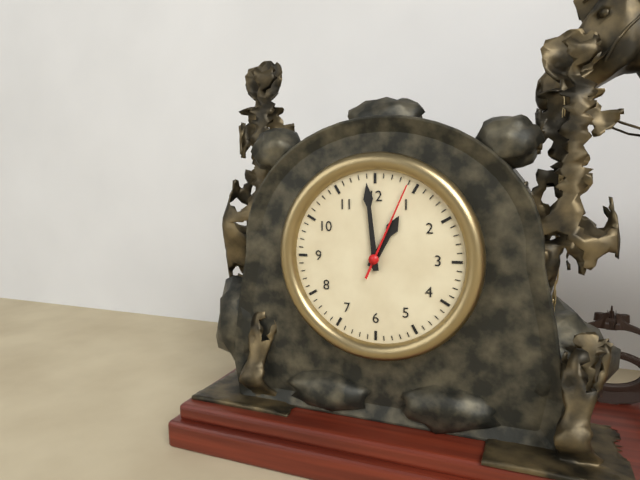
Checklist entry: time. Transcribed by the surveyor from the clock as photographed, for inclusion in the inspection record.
12:59:04
